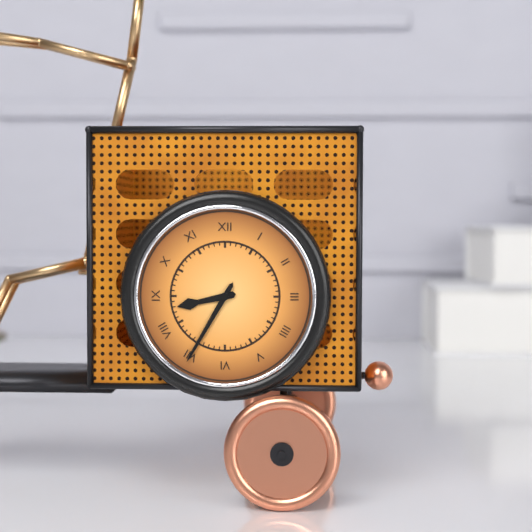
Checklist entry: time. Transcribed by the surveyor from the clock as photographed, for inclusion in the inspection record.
8:35
